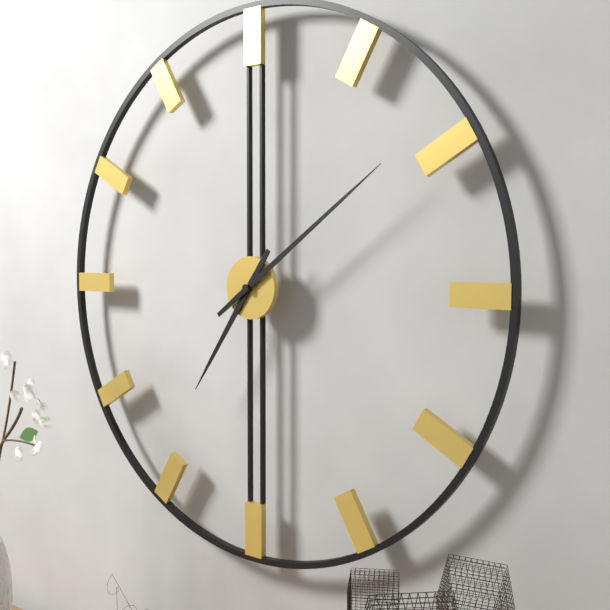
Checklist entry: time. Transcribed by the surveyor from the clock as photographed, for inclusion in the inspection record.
7:09
